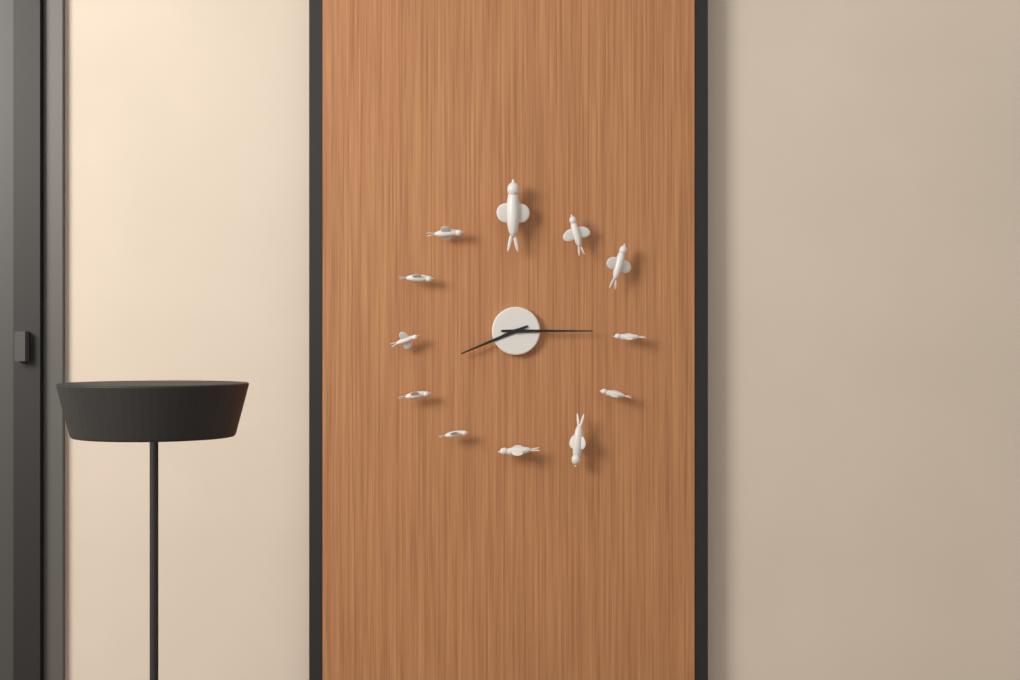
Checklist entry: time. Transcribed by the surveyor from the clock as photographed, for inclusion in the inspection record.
8:15
